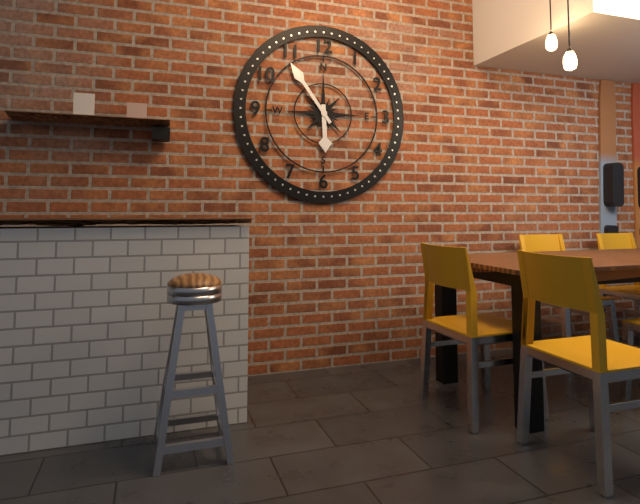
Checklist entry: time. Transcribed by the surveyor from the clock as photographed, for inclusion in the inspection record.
5:54
